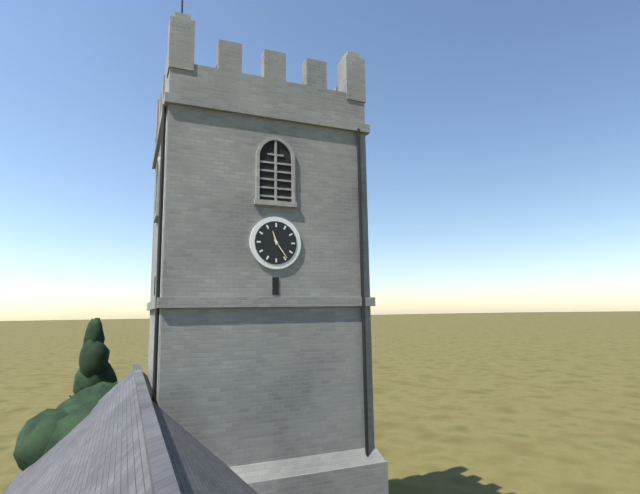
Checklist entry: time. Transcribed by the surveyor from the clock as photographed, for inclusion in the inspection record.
11:24
